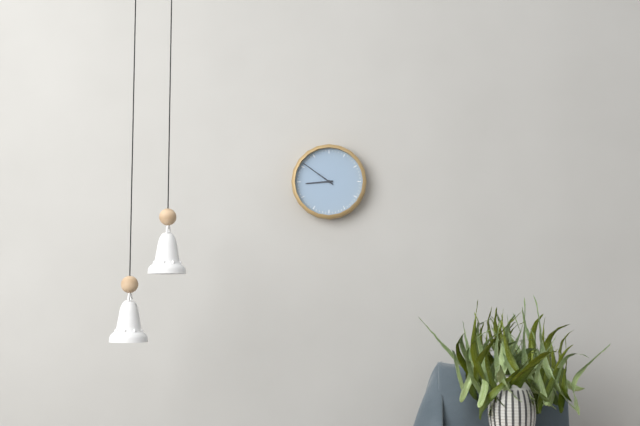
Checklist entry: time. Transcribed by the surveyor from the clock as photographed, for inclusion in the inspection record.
8:51
